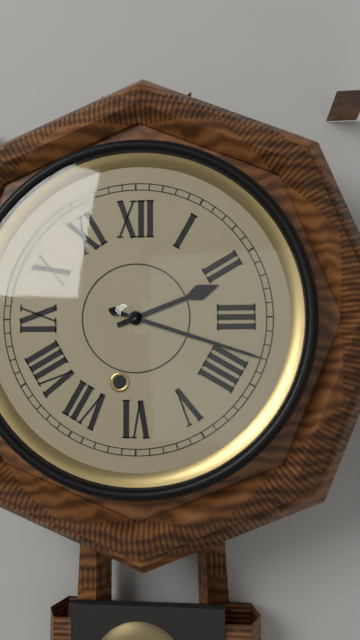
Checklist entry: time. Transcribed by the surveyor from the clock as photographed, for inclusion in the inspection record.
2:18
